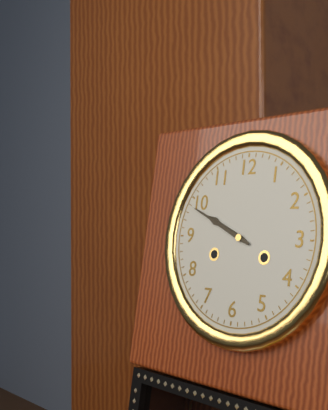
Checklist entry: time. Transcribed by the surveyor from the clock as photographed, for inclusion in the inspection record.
9:49
